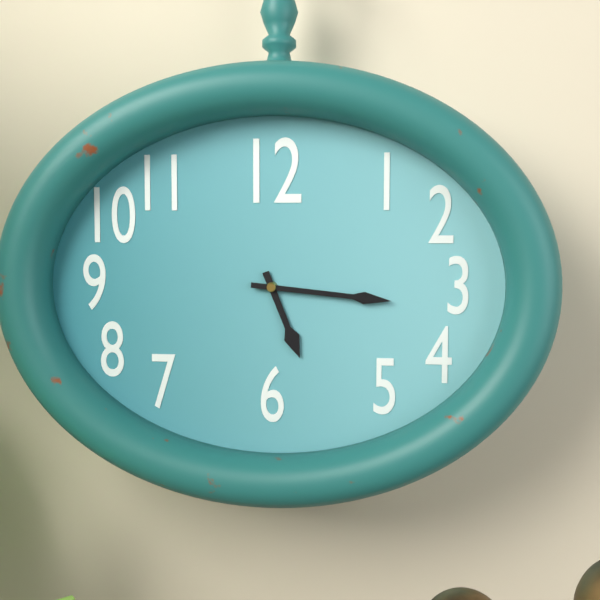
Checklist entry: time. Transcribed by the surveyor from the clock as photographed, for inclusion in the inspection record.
5:16
